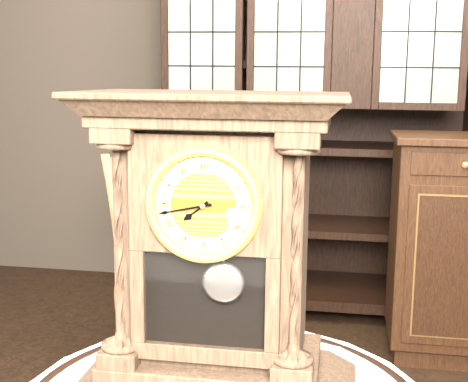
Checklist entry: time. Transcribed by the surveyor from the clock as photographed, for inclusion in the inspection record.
7:43
